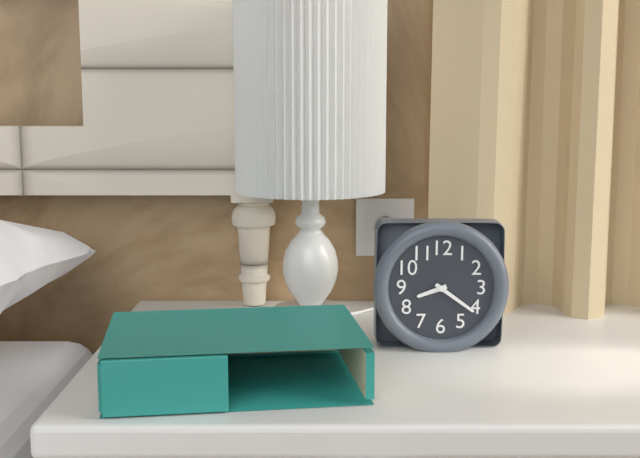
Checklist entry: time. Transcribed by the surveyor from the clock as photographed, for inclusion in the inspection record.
8:21
